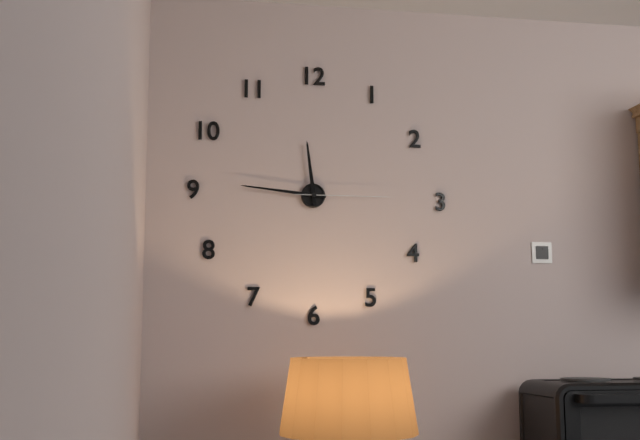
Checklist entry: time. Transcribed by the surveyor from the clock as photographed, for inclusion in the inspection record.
11:46:15
